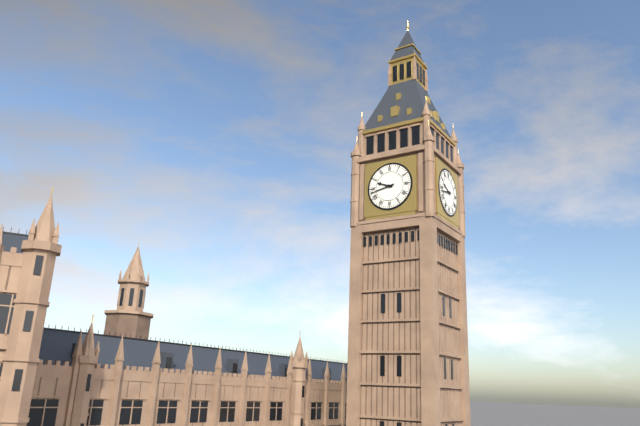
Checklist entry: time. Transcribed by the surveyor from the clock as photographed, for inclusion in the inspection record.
9:43
